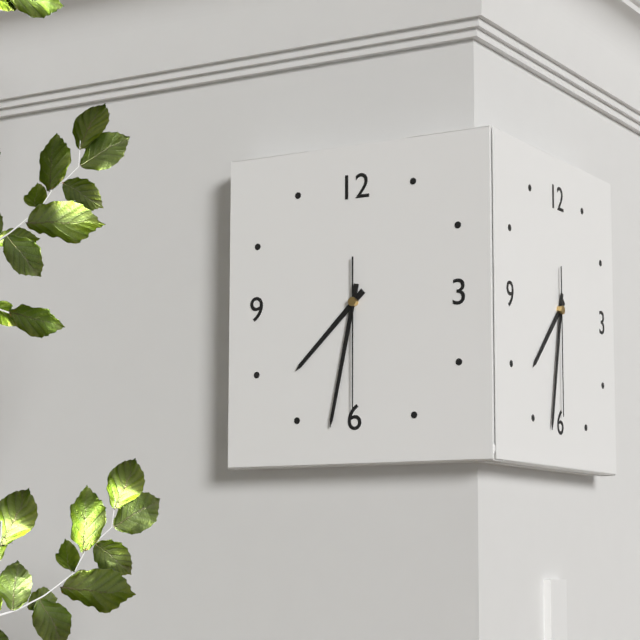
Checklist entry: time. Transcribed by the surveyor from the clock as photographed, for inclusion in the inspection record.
7:32:30
